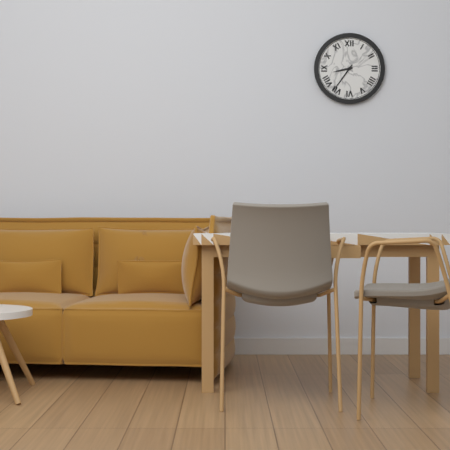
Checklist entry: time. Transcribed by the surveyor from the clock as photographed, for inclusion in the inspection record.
8:36
